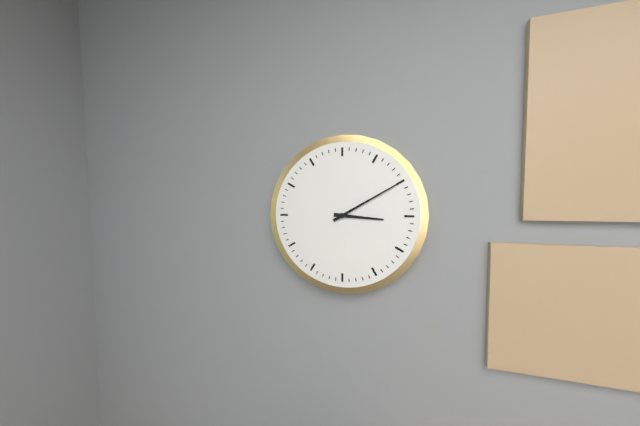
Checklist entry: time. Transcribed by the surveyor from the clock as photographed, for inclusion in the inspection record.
3:10
